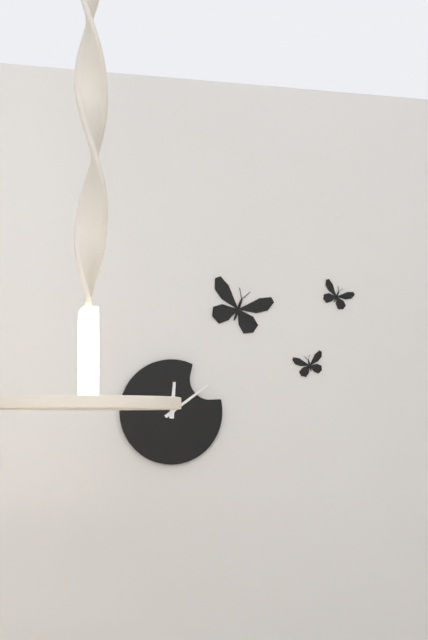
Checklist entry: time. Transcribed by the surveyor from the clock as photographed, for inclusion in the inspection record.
12:09
